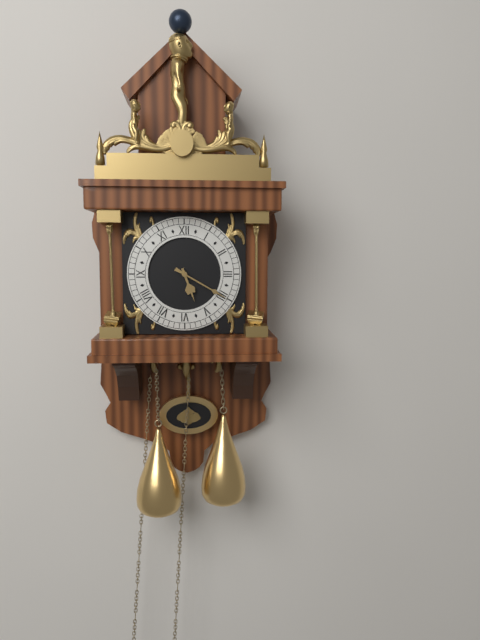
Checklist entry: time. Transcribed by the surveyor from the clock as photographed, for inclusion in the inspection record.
5:20
